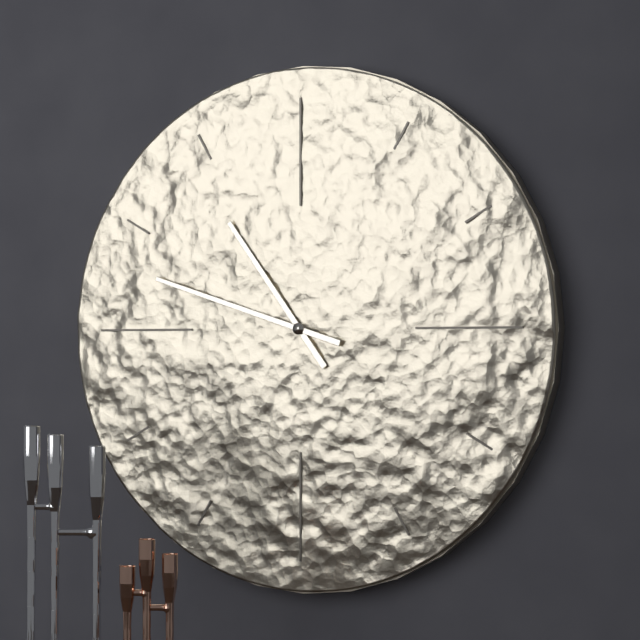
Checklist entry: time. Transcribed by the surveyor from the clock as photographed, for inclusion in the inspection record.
10:48
